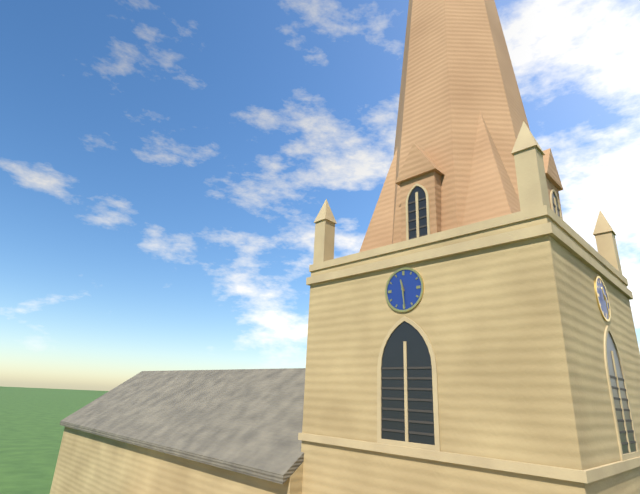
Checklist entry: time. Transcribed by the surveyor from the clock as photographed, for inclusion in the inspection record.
11:29
